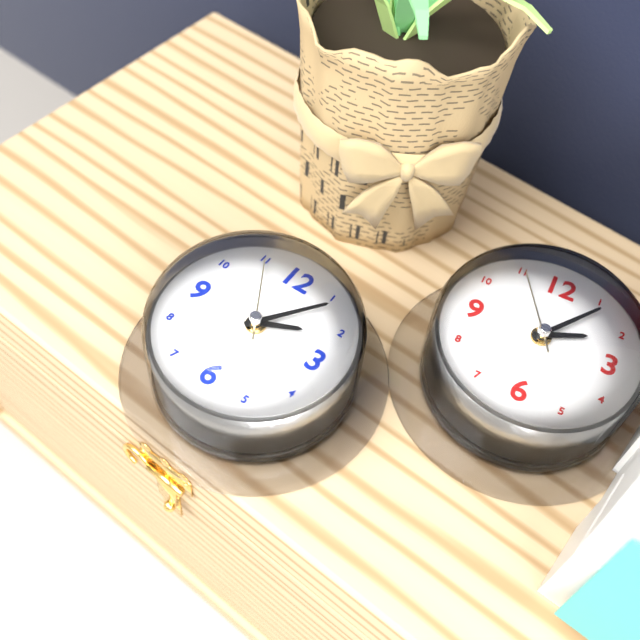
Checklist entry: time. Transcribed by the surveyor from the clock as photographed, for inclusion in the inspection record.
2:06:55
